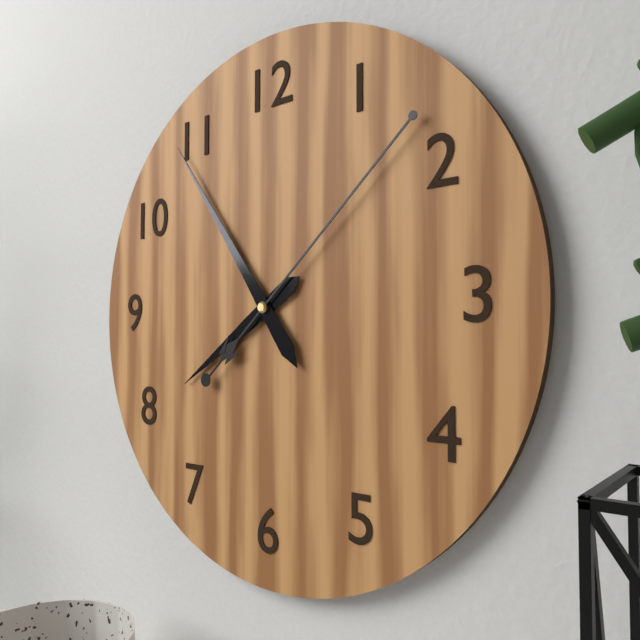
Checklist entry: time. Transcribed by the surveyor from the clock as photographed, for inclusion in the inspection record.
7:54:08
